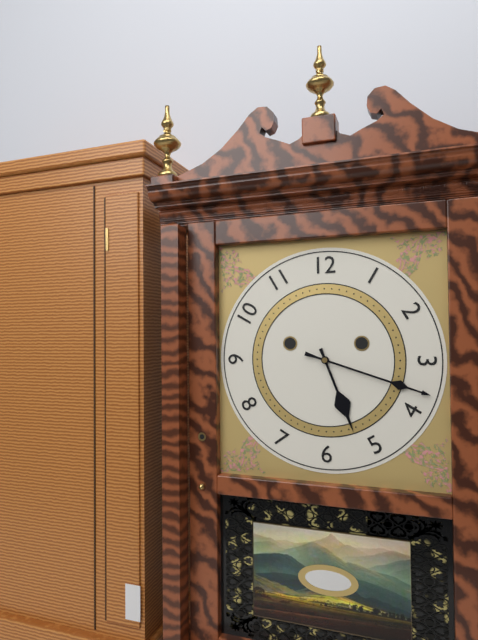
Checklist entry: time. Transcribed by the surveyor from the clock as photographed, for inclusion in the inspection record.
5:18
